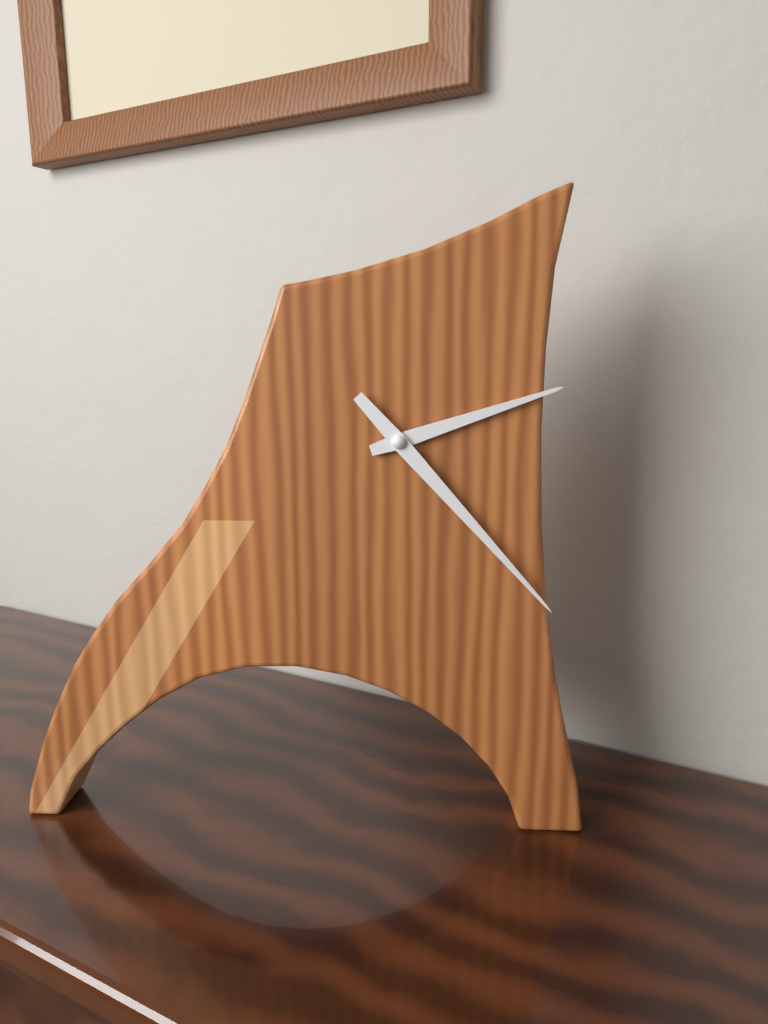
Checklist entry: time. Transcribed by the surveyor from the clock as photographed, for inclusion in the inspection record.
2:23
